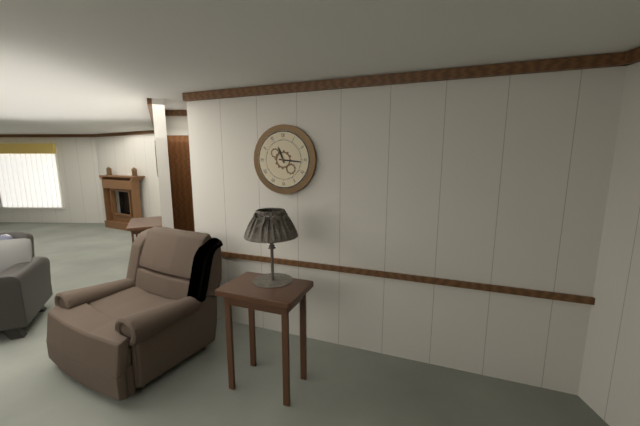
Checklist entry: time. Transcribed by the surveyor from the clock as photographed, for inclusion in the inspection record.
11:16
